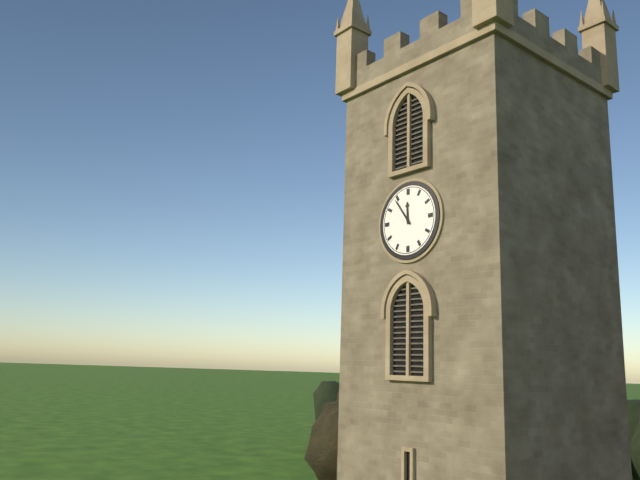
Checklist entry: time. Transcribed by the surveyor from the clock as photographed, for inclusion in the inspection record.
11:54
